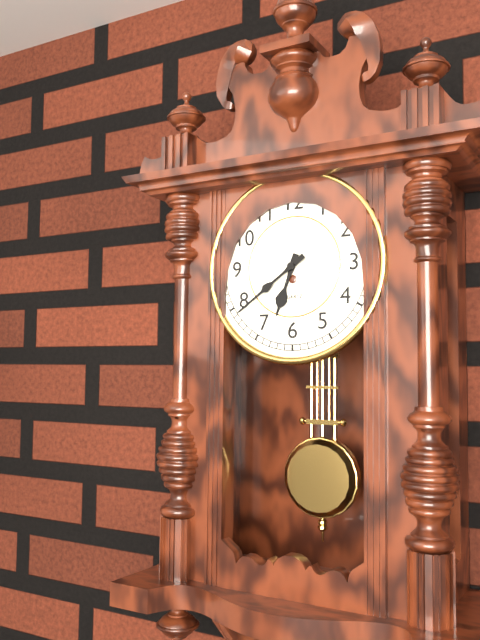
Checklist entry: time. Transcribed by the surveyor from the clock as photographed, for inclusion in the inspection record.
6:39
